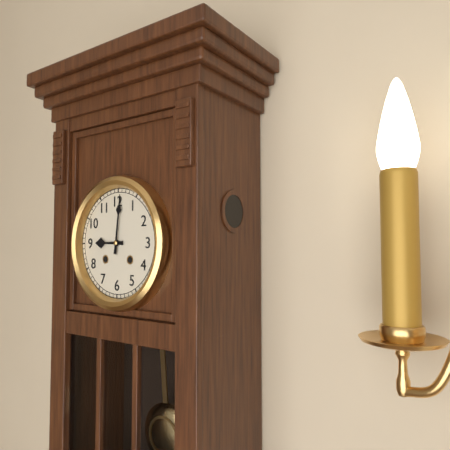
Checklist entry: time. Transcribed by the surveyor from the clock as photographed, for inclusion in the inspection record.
9:01
